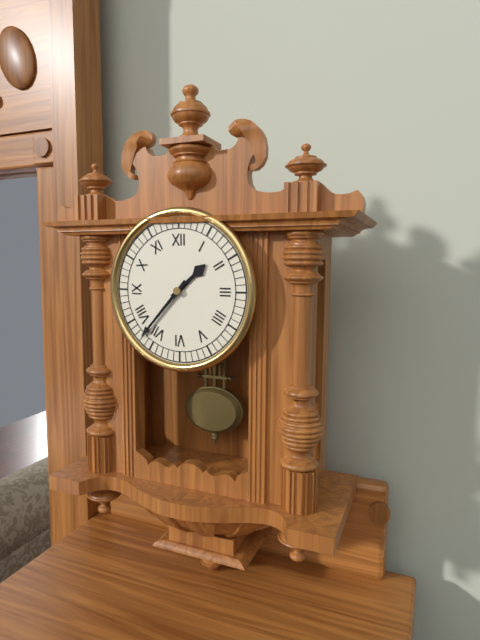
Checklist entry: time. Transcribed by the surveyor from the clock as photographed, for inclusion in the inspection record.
1:37
